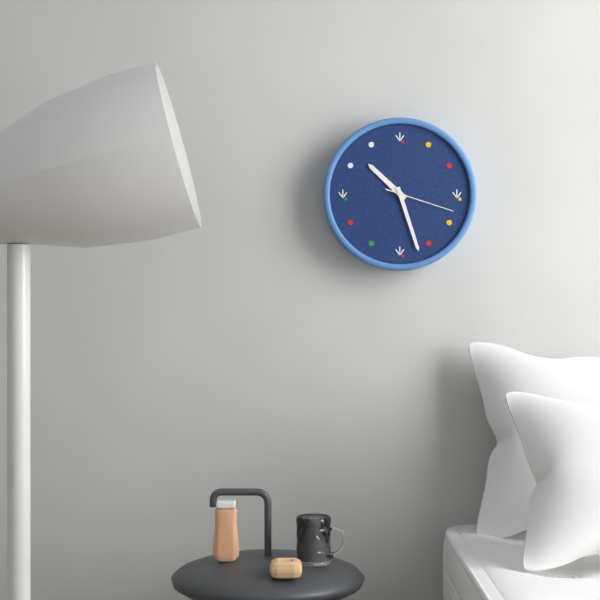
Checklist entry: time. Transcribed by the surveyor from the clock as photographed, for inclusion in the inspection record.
10:27:18
